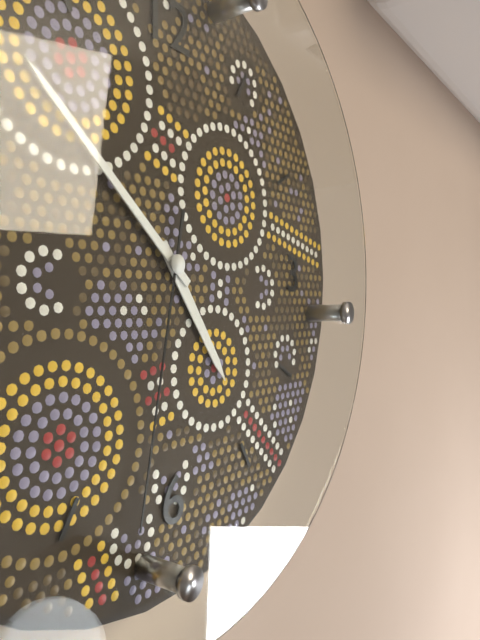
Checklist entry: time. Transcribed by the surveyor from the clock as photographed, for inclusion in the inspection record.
4:52:32
